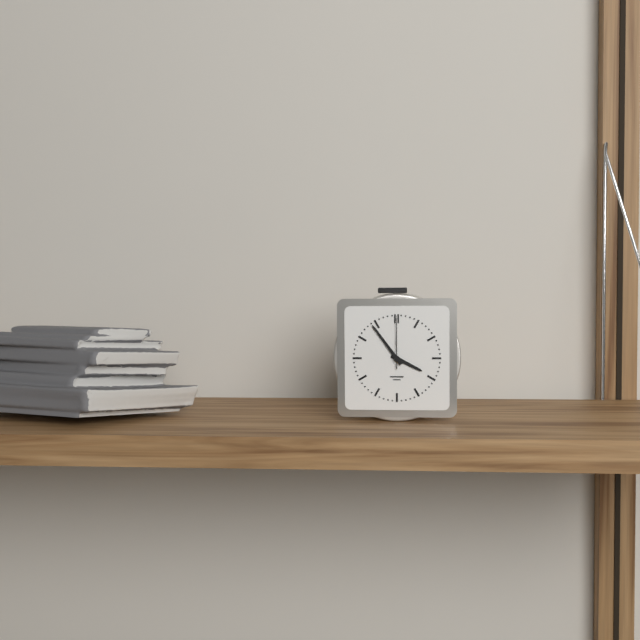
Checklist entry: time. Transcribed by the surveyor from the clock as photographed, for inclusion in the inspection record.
3:54:00
